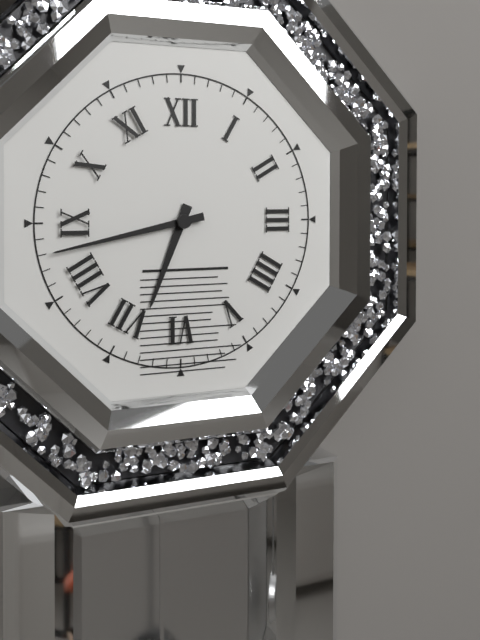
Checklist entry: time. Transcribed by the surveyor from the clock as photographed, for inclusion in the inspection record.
6:43
